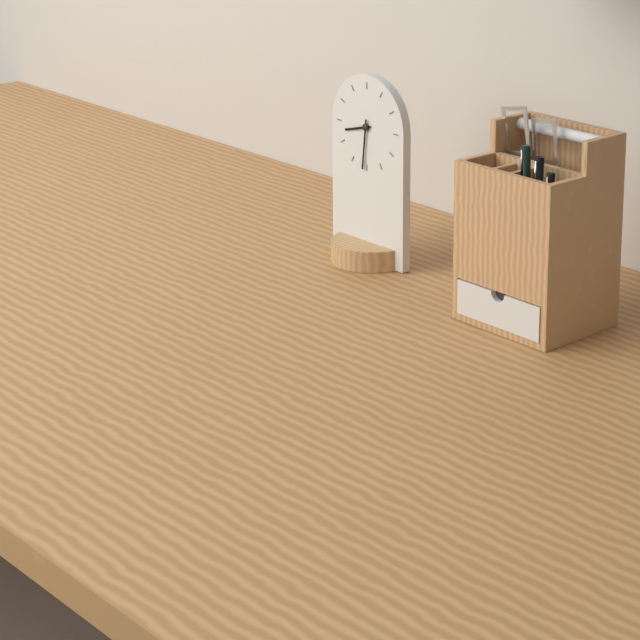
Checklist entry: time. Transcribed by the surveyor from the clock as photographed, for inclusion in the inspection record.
8:31
